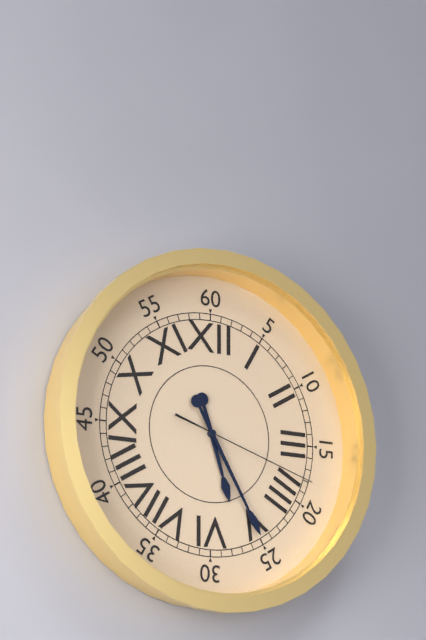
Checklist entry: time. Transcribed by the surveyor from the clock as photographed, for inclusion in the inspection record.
5:25:18
